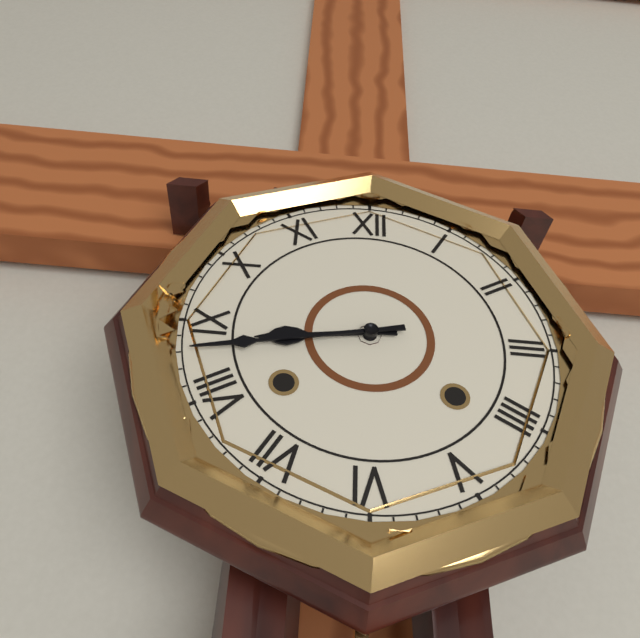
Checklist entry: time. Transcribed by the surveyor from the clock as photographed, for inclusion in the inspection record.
8:43
